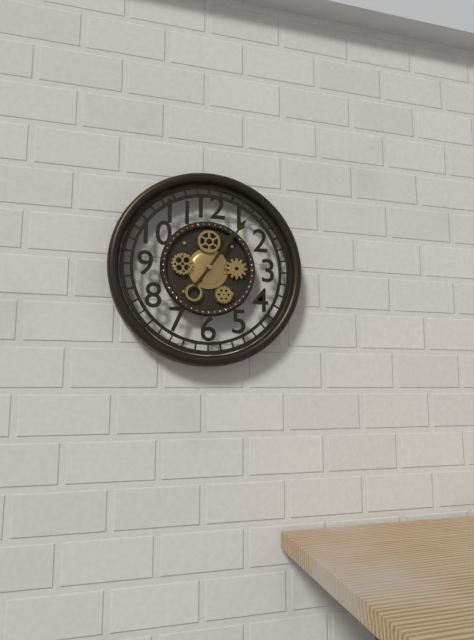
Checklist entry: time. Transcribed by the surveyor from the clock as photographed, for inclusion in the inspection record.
1:06
